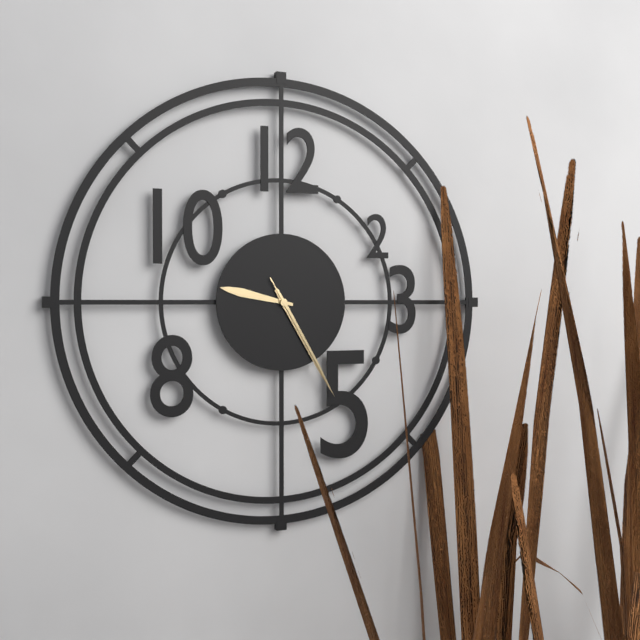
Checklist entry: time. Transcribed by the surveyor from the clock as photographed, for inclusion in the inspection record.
9:25:25
